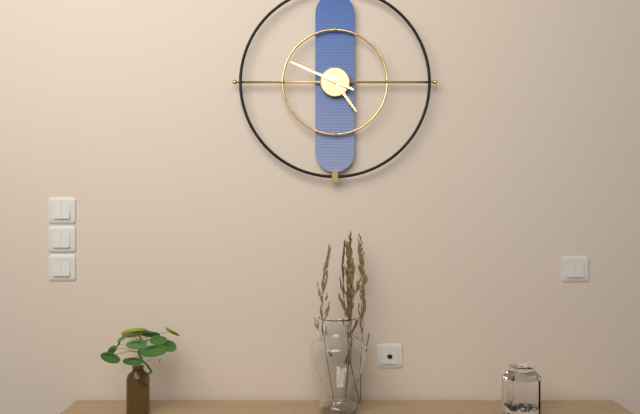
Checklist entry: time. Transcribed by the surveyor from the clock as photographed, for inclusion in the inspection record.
4:49
